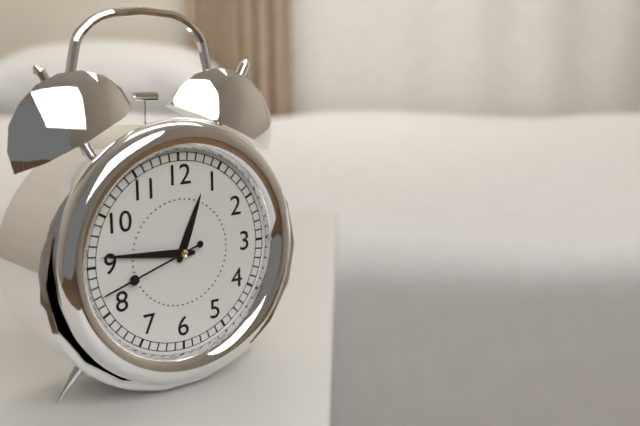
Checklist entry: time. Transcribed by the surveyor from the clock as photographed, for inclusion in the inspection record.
12:46:42
